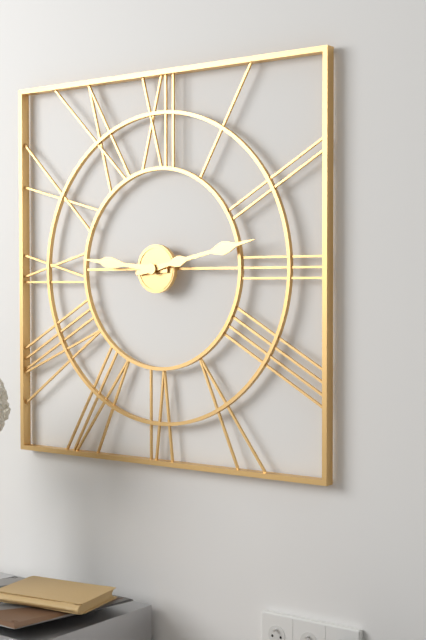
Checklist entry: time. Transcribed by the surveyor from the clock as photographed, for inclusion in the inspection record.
9:13
